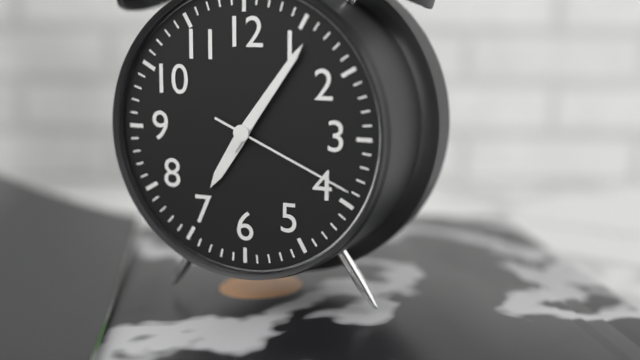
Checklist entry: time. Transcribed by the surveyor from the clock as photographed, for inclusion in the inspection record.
7:06:19
